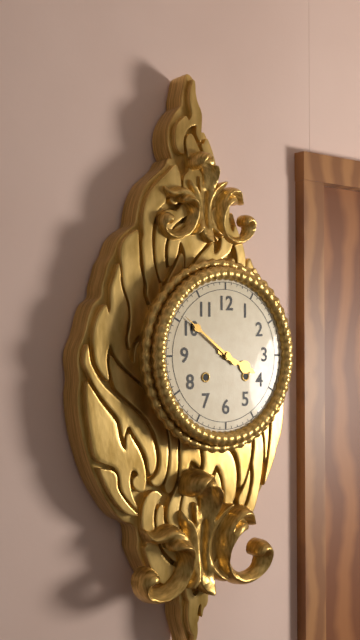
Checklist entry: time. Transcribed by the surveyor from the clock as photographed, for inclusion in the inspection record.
3:51
